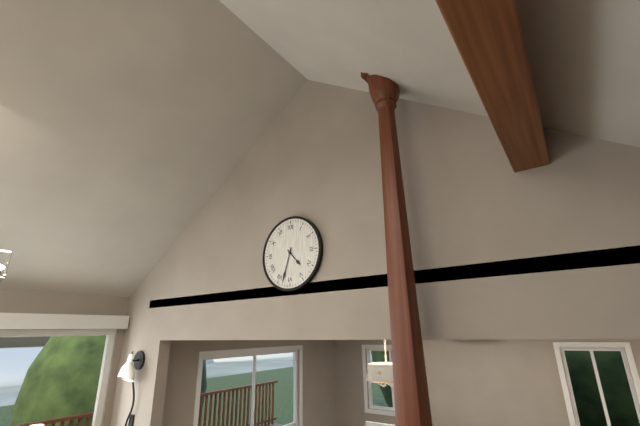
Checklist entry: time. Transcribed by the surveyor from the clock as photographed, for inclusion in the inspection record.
4:33
